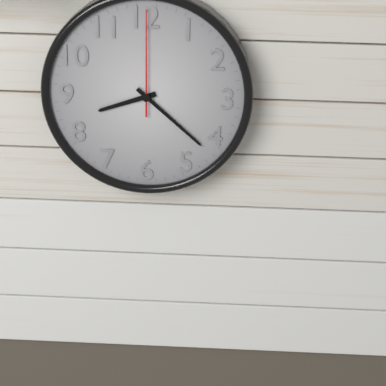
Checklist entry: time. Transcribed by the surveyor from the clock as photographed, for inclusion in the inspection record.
8:22:00
